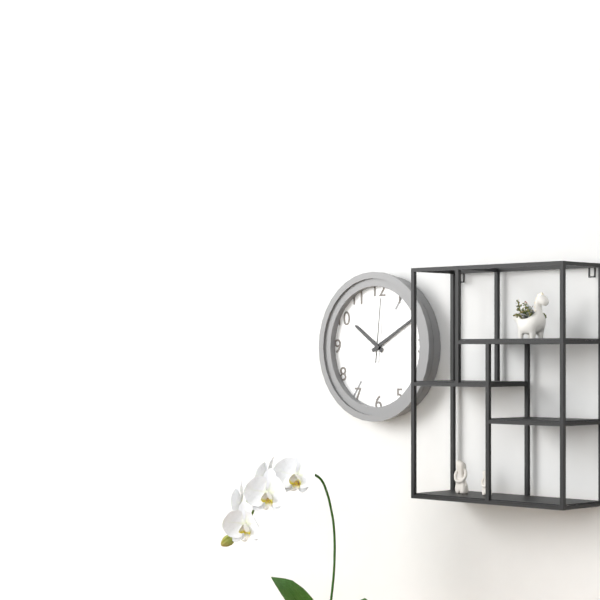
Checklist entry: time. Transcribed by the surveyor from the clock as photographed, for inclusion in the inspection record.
10:10:01
